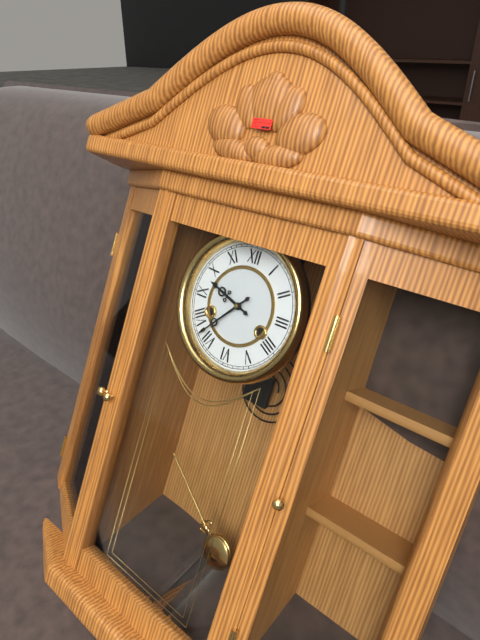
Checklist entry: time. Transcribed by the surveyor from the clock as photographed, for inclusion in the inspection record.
9:37
